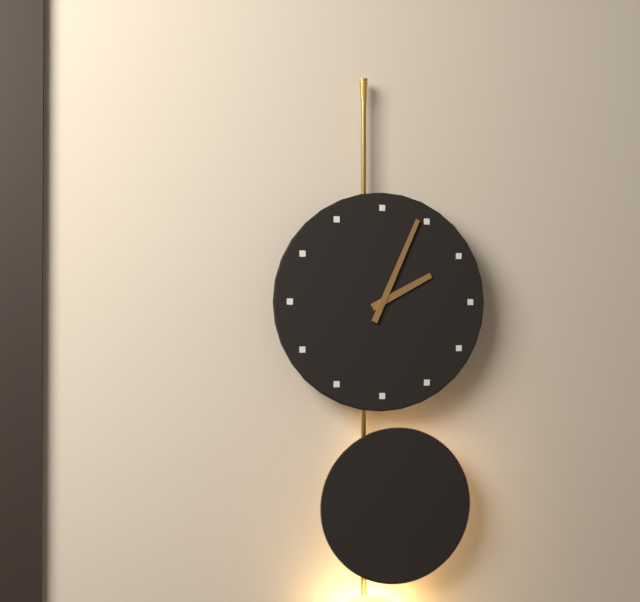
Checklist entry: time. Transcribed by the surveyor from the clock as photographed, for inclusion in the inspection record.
2:04
